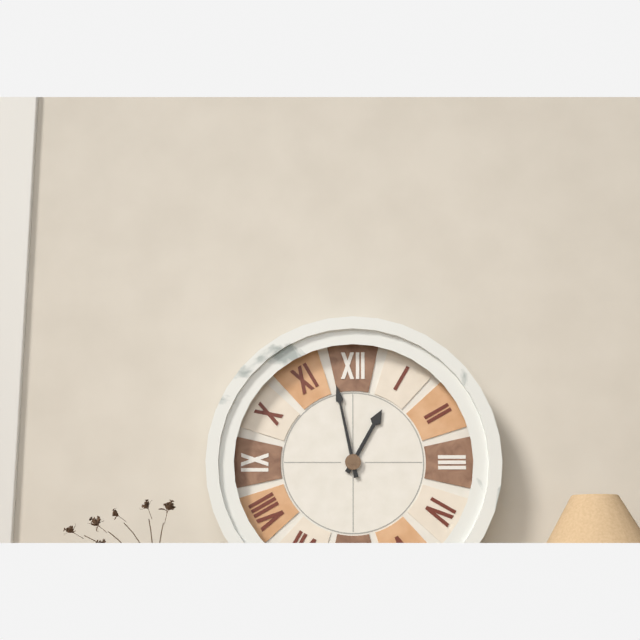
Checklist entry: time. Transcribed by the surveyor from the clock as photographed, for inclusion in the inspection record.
12:58
